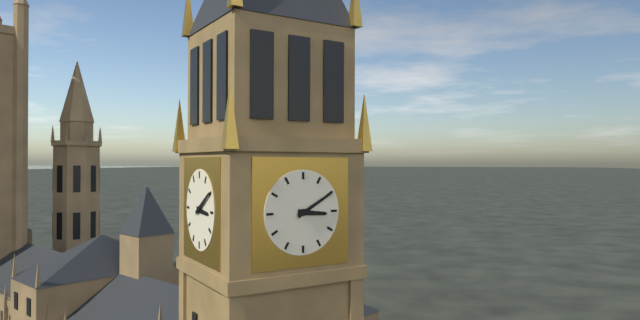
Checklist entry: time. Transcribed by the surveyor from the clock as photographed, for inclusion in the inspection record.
3:10
